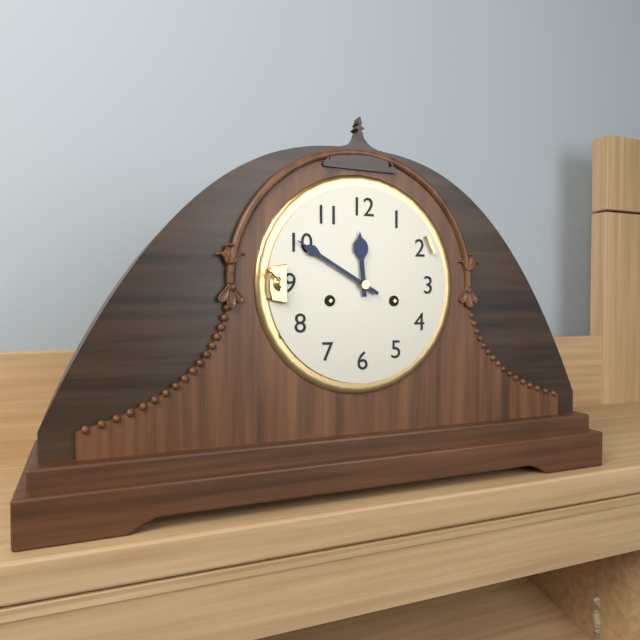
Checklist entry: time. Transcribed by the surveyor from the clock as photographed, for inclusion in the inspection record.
11:50
